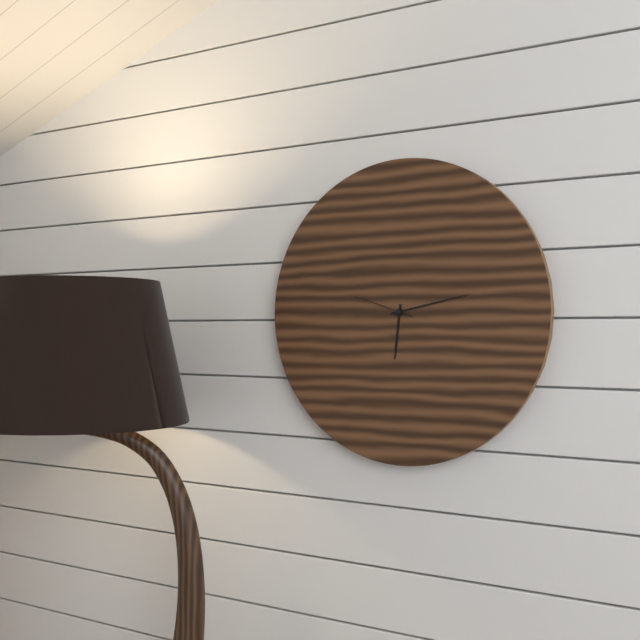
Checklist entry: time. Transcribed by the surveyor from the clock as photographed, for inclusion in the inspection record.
6:13:48
